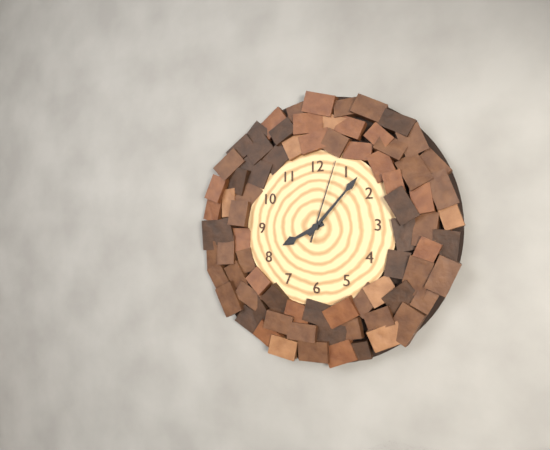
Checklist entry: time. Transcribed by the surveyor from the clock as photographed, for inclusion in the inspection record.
8:07:03
